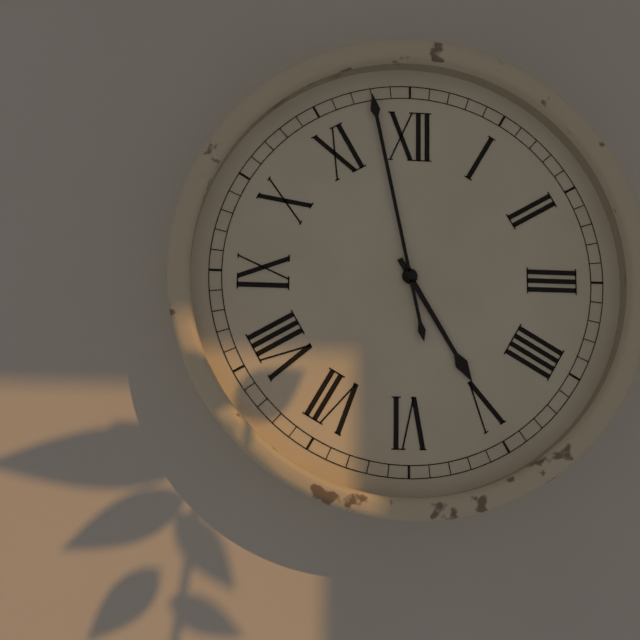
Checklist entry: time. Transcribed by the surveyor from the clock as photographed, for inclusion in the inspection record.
4:58
